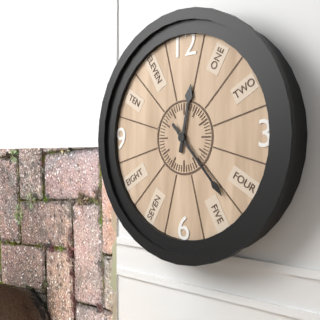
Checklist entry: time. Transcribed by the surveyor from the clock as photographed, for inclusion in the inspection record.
12:23
